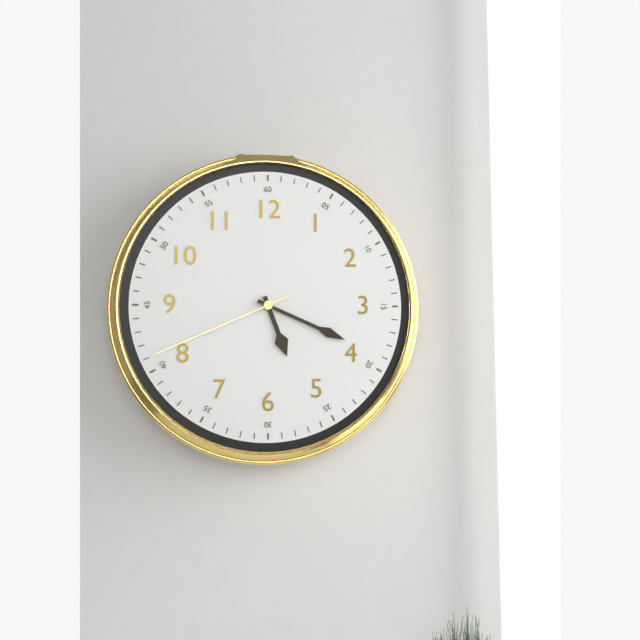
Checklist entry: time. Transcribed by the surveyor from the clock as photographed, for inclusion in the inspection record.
5:19:41
